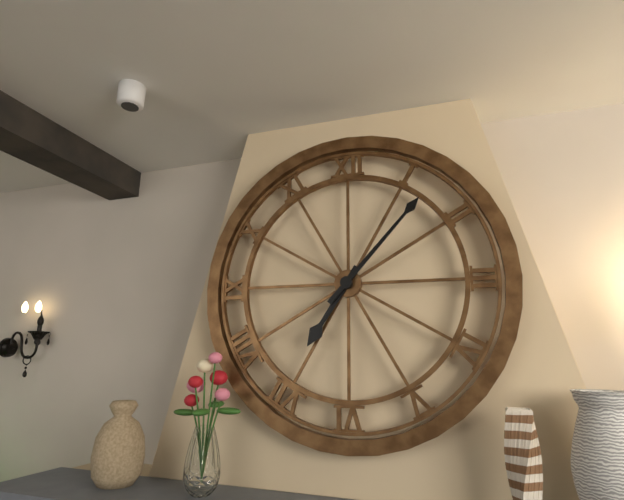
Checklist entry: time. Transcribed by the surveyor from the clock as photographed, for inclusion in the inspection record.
7:07
